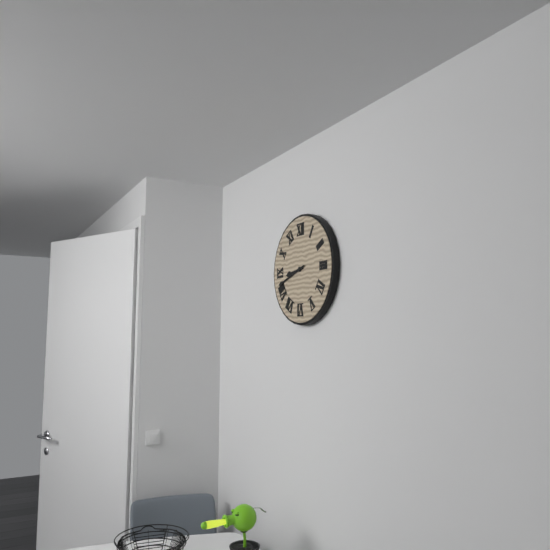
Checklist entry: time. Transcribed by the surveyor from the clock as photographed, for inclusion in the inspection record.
8:42
